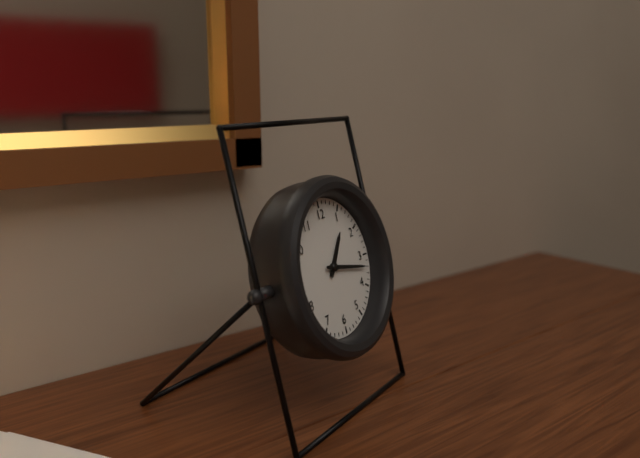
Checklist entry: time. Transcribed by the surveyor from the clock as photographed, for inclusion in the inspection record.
1:17
